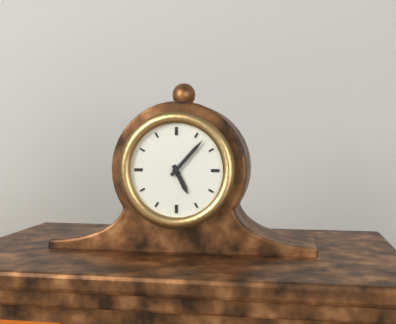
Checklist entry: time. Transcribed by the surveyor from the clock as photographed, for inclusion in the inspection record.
5:07
